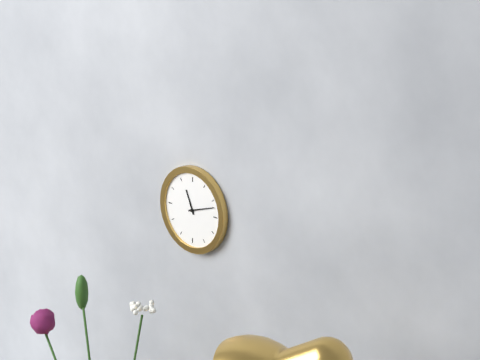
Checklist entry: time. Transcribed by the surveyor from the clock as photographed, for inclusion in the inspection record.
11:12
